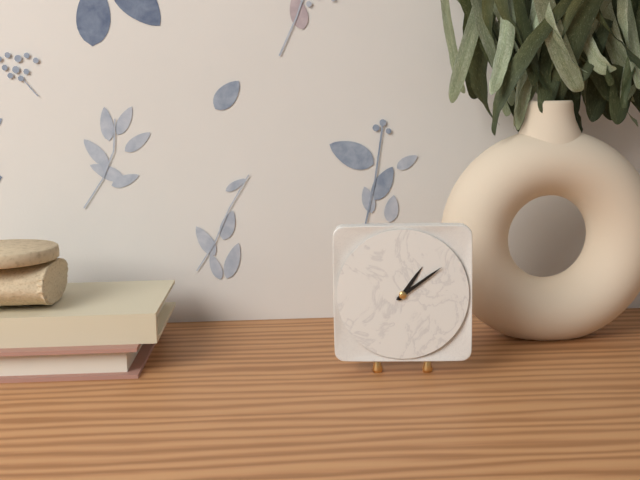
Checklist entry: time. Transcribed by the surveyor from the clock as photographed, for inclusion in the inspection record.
1:09
